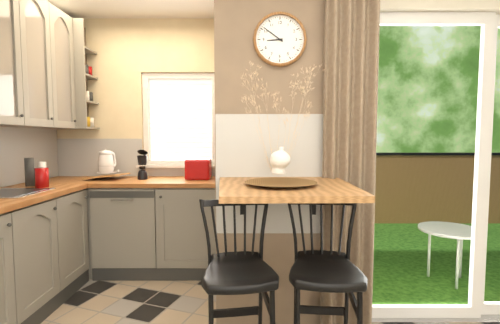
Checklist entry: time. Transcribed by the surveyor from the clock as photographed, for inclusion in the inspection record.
8:51
